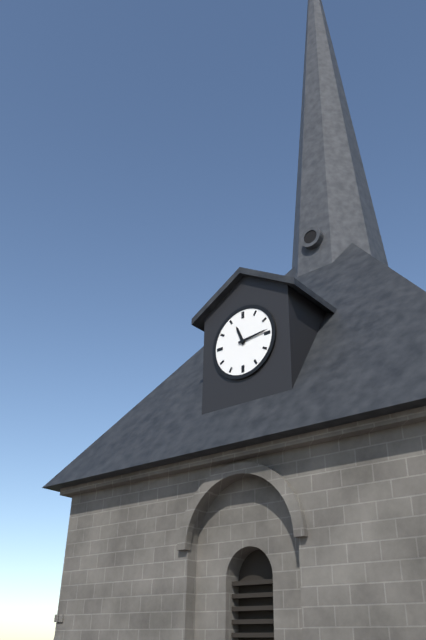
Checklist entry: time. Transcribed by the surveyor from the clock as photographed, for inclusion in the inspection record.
11:14
